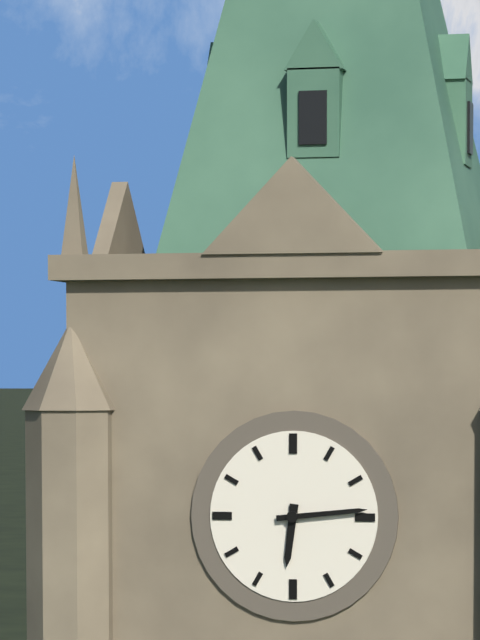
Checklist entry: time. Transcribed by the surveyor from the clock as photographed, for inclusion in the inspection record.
6:14
